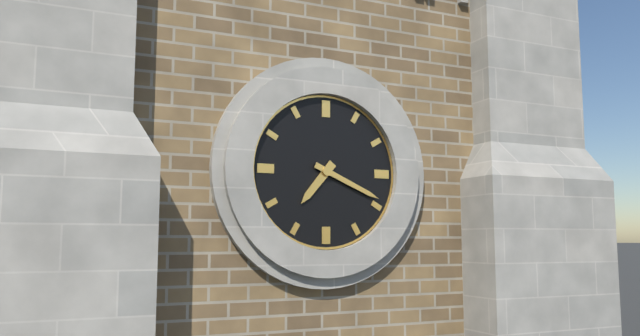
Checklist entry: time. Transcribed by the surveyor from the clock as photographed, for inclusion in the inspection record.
7:19
